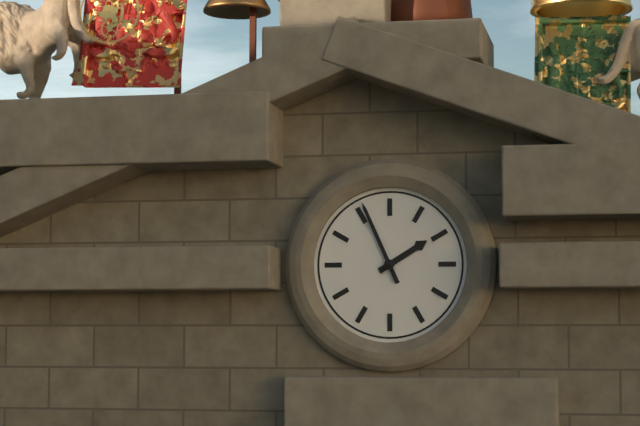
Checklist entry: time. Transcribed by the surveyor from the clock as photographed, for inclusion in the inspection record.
1:56
